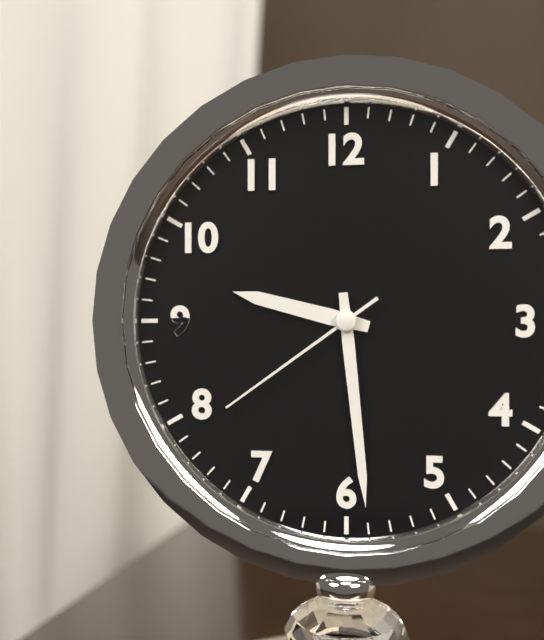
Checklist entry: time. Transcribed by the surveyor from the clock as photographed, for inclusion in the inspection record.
9:29:39
